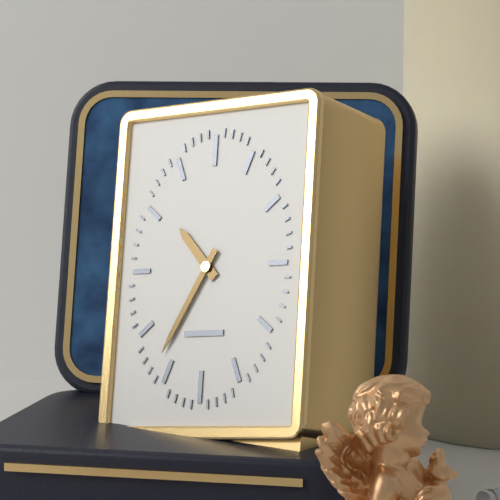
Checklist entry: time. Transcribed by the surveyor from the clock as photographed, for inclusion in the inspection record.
10:35
